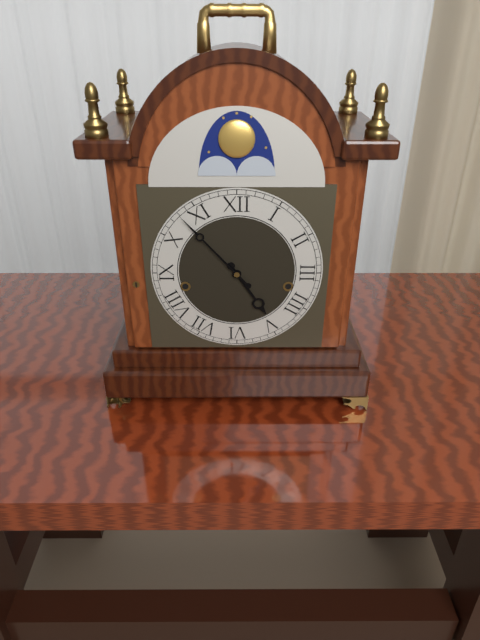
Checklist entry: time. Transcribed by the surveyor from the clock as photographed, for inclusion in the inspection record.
4:53
